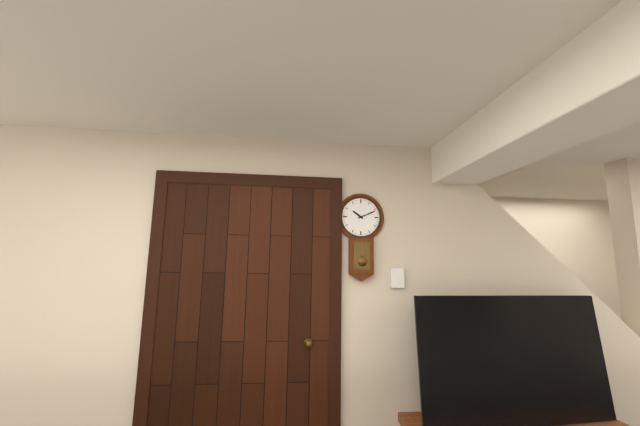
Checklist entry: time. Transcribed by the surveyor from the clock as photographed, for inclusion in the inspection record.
10:11
